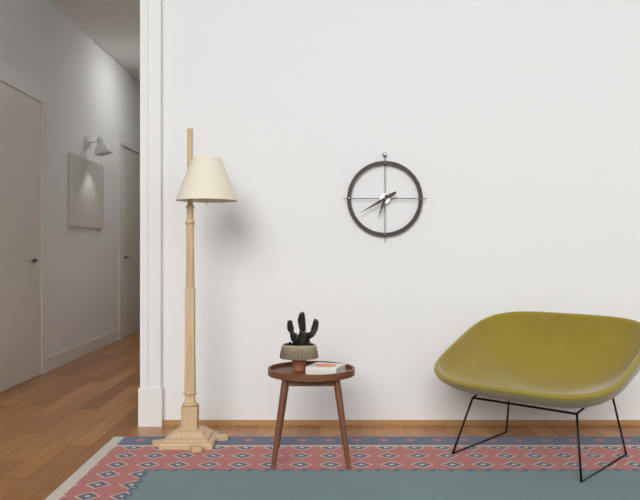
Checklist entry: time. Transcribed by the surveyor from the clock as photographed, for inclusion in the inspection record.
6:40
